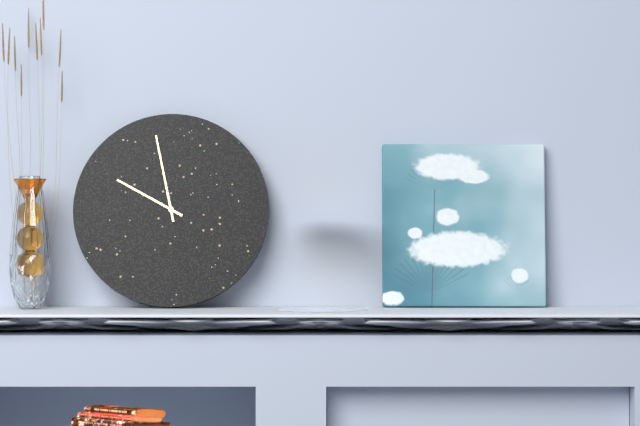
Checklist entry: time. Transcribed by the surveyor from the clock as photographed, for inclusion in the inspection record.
9:58
